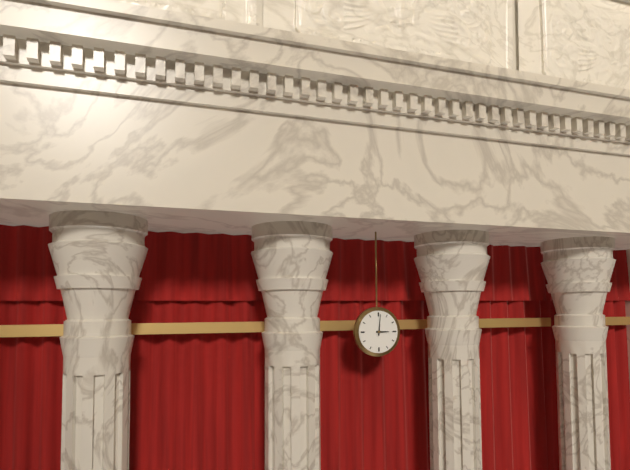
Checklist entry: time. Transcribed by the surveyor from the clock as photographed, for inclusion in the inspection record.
3:01
